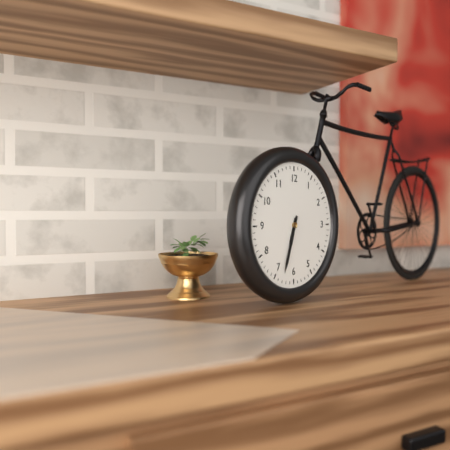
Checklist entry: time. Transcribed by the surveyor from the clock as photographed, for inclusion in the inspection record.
6:33
